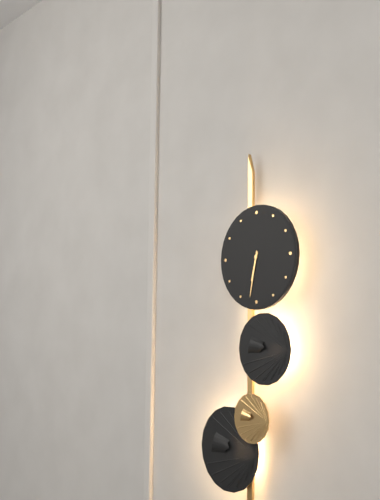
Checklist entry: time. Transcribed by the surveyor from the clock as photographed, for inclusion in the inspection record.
6:32
